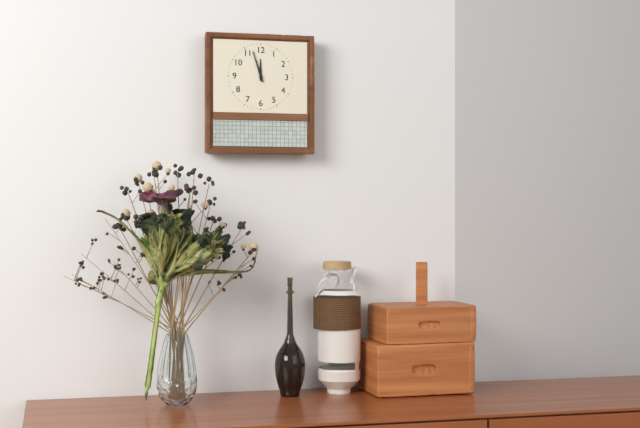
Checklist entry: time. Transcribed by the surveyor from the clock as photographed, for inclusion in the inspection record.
11:57
